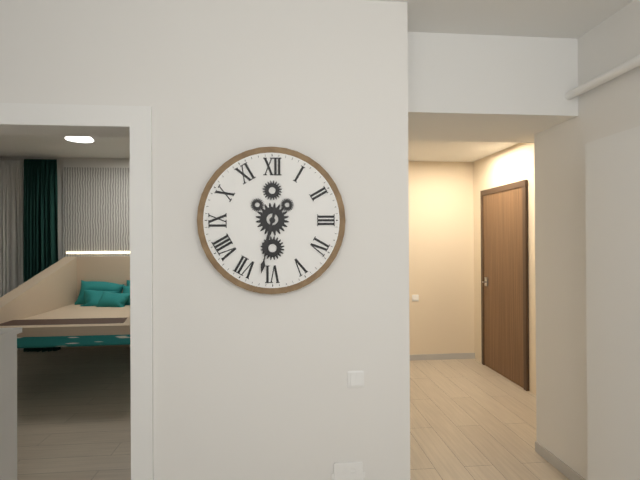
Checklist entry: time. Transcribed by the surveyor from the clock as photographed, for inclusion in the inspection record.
6:32
